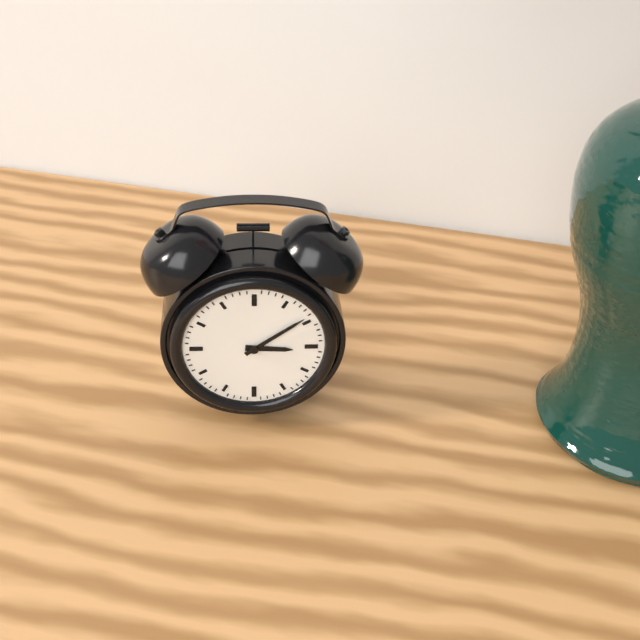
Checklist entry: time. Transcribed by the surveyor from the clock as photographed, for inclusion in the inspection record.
3:09
